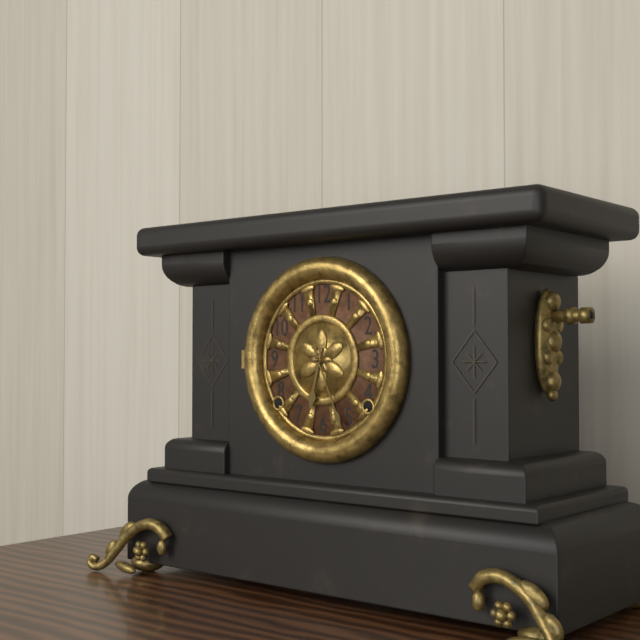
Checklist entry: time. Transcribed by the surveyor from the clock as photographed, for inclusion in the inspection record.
6:26
